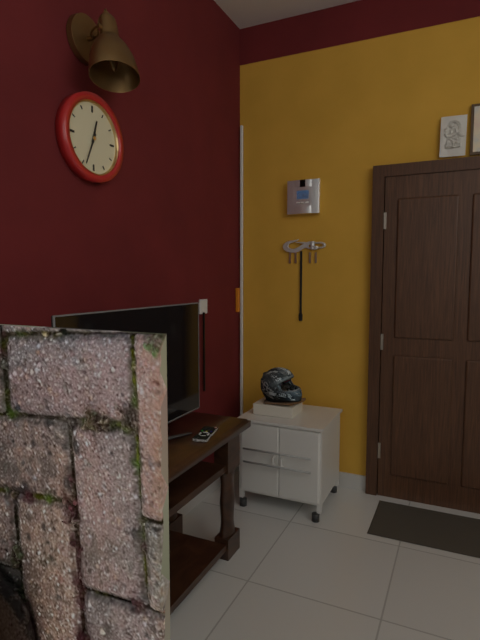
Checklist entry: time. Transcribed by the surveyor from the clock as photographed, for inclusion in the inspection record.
12:34
